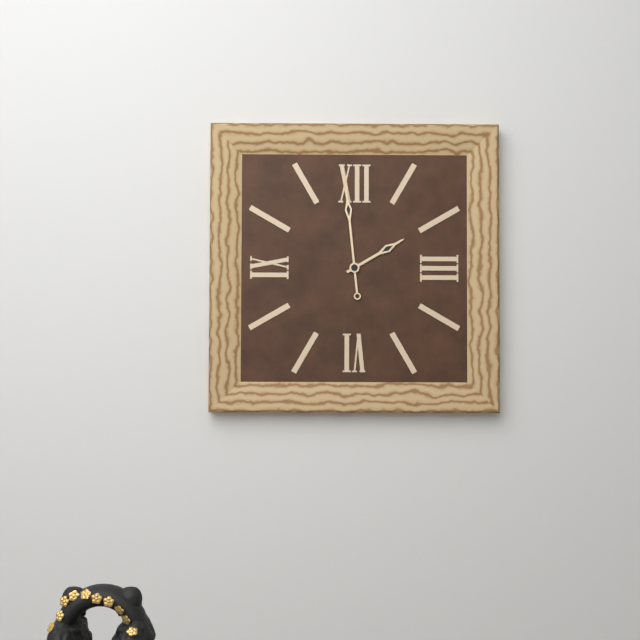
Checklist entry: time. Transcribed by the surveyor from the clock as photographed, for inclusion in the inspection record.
1:59
